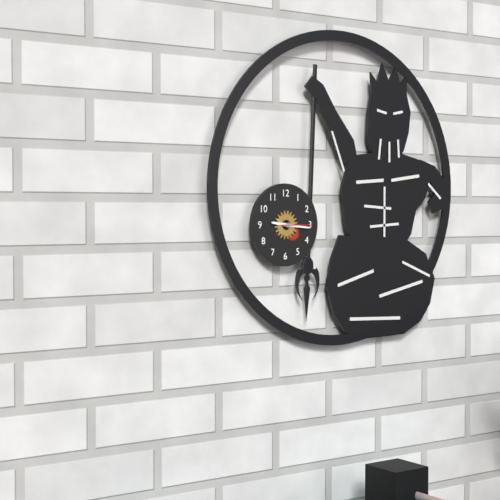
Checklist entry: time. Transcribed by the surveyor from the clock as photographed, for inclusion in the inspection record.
9:16
